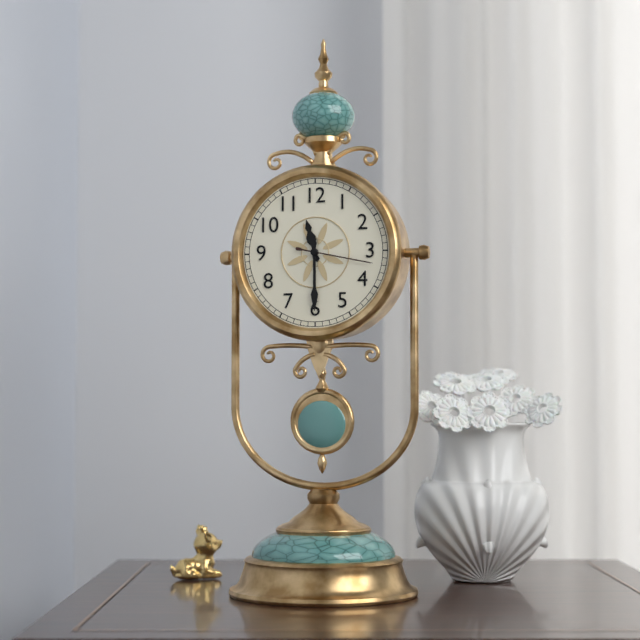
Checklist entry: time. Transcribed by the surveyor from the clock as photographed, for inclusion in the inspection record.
11:30:17
